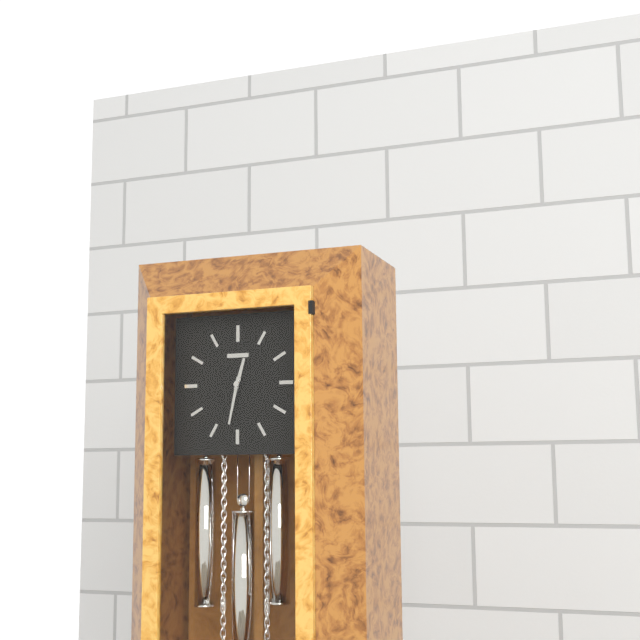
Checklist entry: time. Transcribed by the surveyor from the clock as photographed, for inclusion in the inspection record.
12:32
